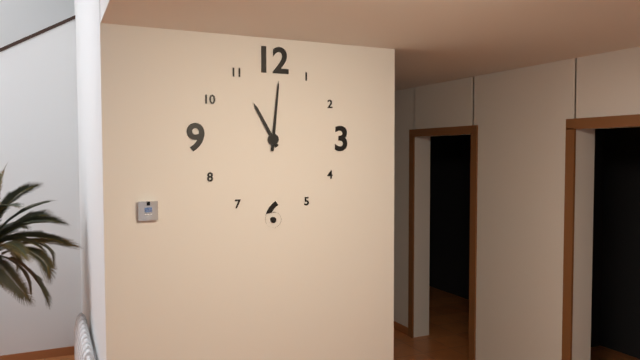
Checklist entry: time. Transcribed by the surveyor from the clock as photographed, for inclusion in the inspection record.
11:01
